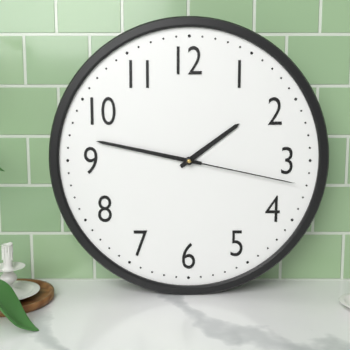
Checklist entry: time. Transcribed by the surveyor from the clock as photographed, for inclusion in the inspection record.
1:47:17
